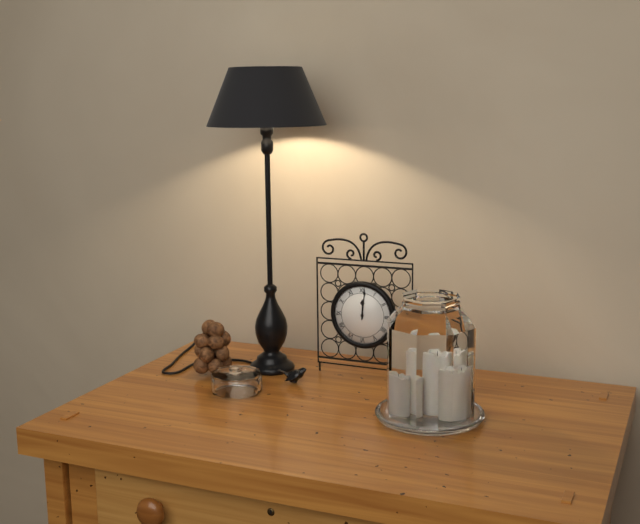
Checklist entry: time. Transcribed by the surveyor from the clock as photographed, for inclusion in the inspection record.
12:01
